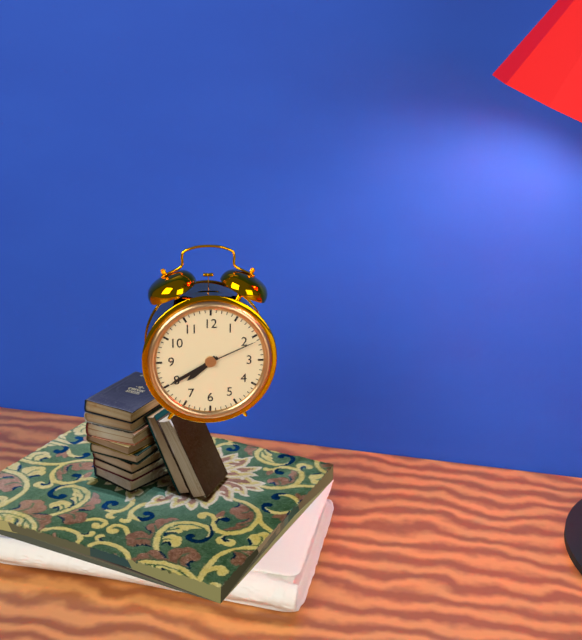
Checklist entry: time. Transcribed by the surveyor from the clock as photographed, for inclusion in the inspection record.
7:40:11
